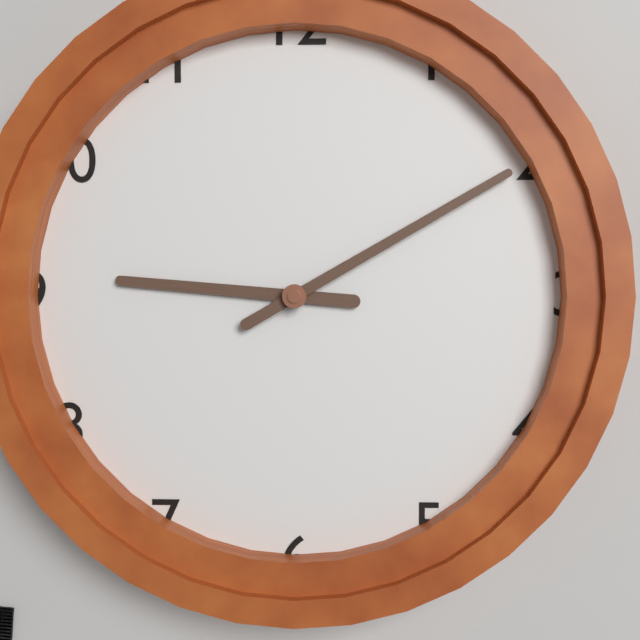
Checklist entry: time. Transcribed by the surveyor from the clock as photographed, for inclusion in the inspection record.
9:10
